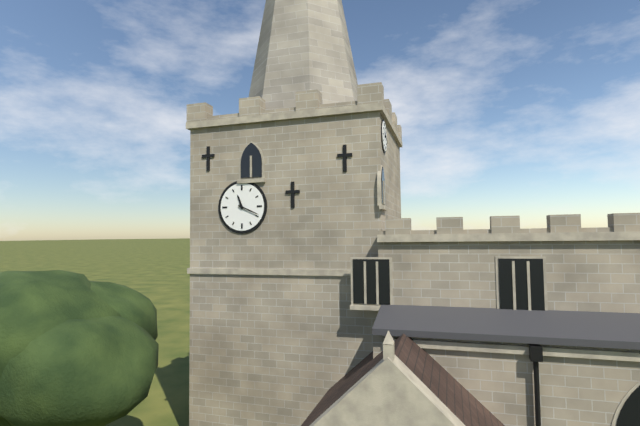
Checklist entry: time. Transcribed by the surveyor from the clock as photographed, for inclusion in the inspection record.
11:19
